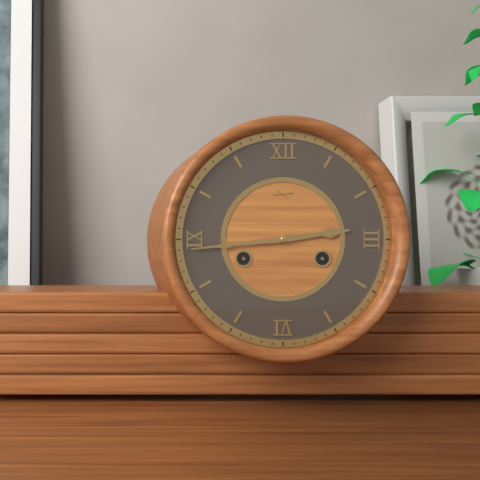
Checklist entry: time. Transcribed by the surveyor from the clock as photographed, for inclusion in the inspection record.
2:44
